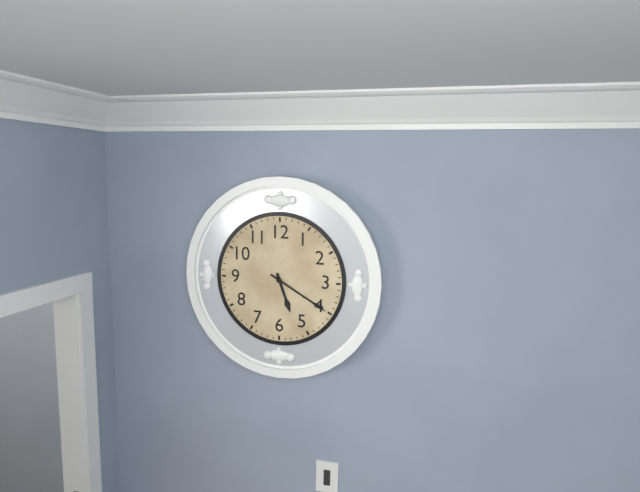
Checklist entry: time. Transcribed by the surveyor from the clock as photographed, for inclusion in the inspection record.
5:20
